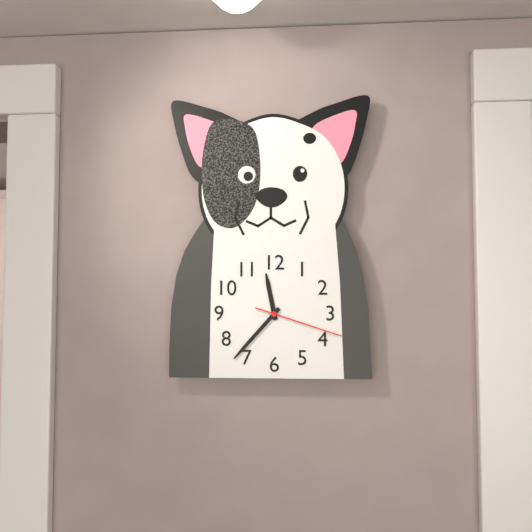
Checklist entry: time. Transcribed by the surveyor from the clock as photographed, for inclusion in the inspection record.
11:37:18
